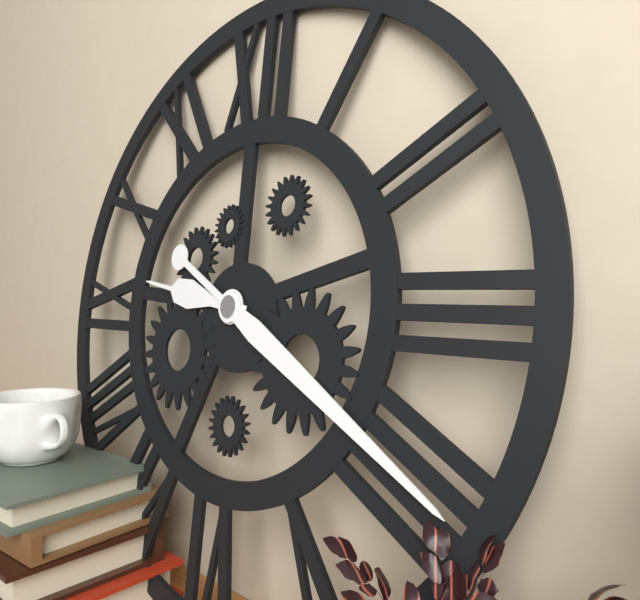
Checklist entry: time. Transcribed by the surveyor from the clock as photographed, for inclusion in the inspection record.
9:20
